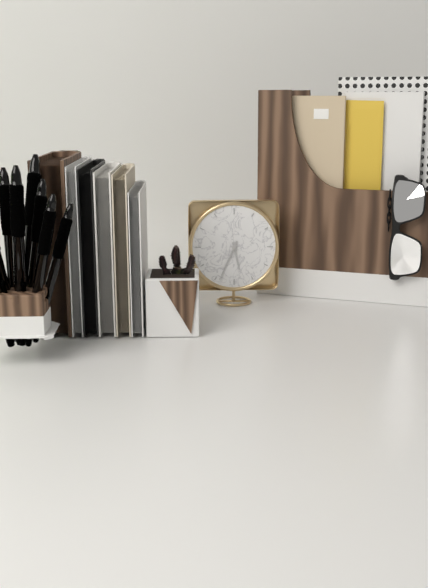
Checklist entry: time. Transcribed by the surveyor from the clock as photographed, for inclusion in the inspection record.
5:34
